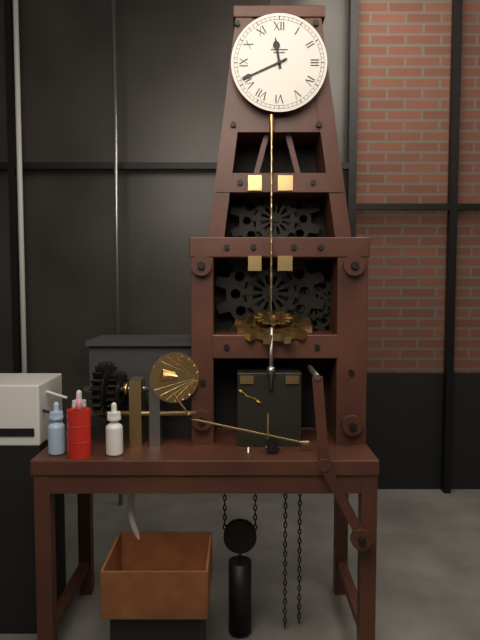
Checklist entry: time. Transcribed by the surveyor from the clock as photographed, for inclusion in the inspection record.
11:41
